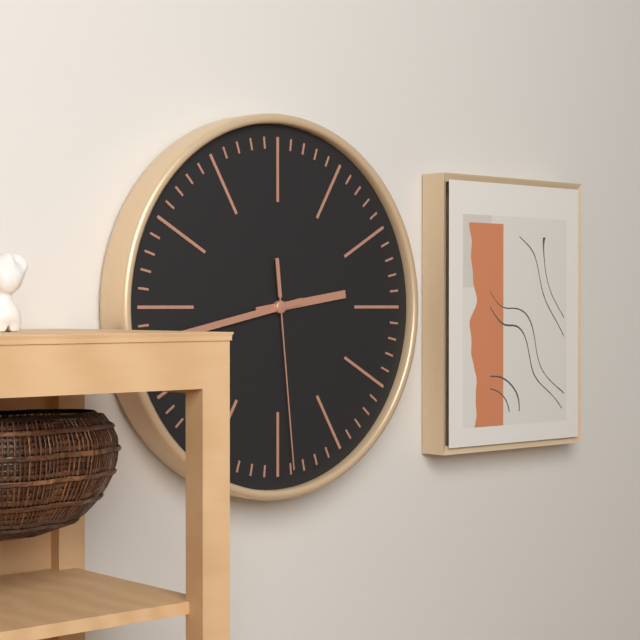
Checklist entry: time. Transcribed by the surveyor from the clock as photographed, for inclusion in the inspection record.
2:43:29
